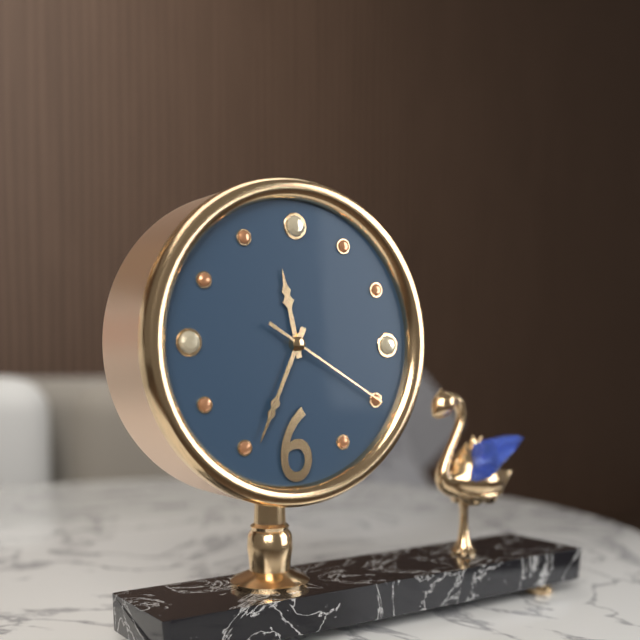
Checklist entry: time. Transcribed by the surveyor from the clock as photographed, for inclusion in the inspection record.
11:34:20
